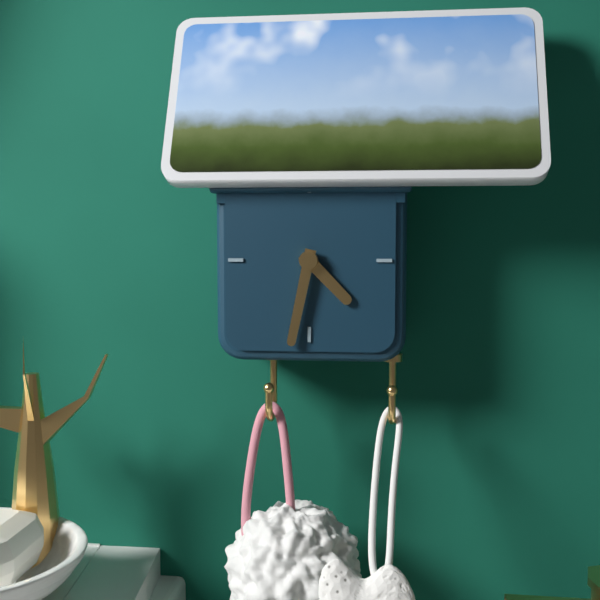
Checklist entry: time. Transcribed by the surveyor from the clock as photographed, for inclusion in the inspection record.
4:32
